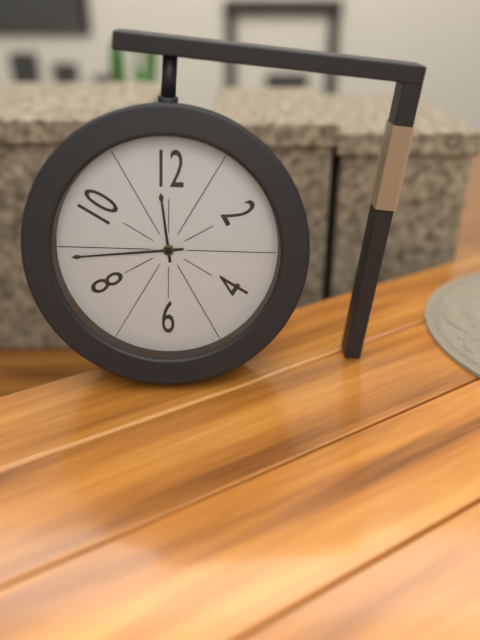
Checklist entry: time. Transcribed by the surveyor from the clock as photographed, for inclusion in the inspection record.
11:44
